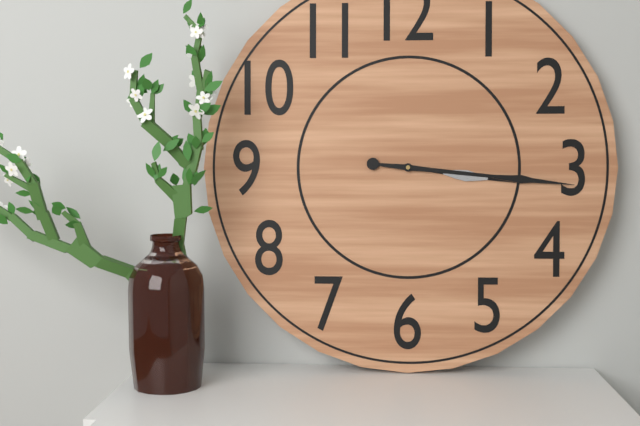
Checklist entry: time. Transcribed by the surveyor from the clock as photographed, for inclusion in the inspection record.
3:16
